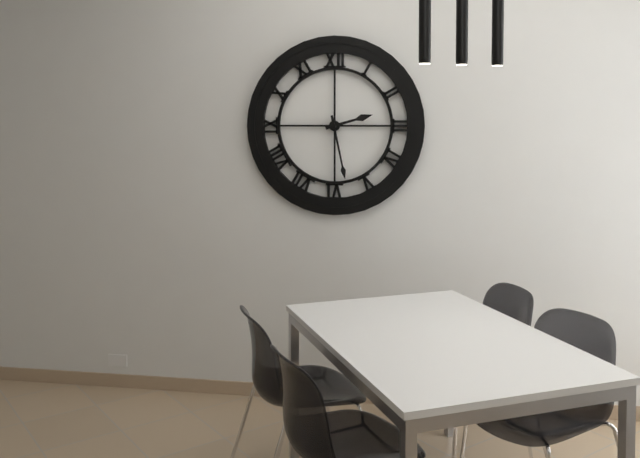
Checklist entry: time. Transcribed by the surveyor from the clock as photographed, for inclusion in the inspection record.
2:28
